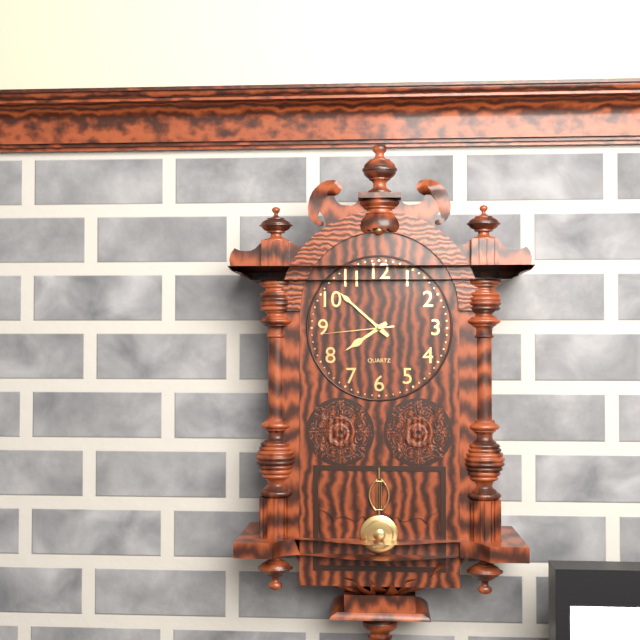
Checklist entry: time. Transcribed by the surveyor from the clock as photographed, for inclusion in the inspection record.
7:52:44
